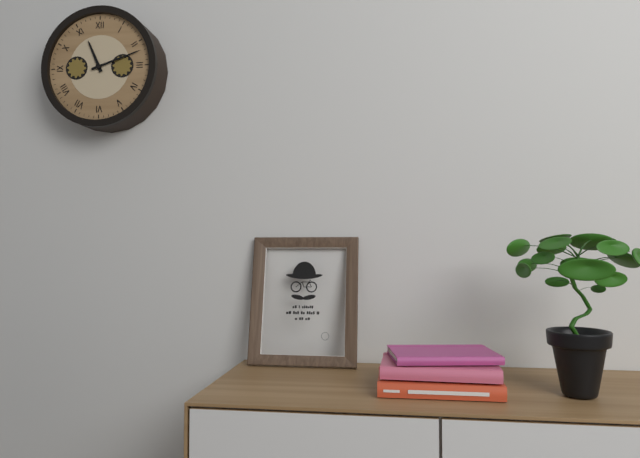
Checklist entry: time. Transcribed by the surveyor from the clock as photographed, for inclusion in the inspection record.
11:12
